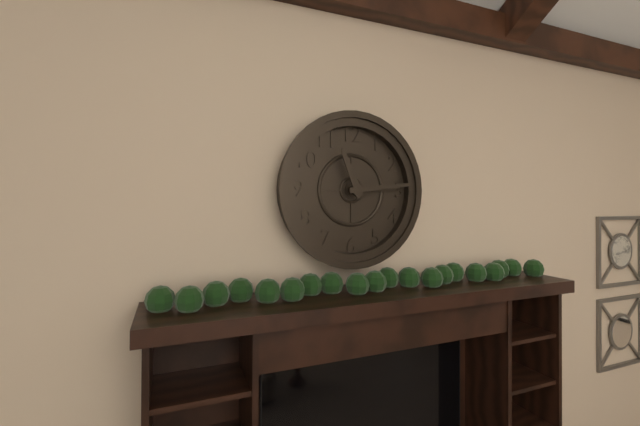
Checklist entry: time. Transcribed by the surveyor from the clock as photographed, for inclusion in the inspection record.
11:14
